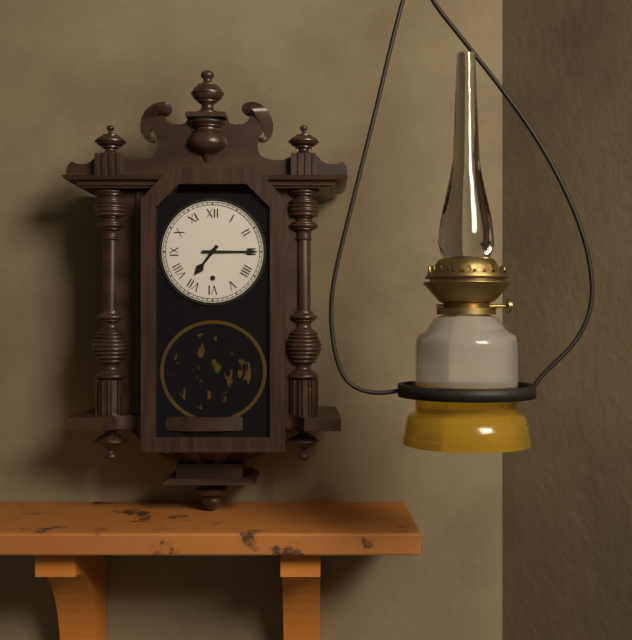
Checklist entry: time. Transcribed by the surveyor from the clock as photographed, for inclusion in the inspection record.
7:15
